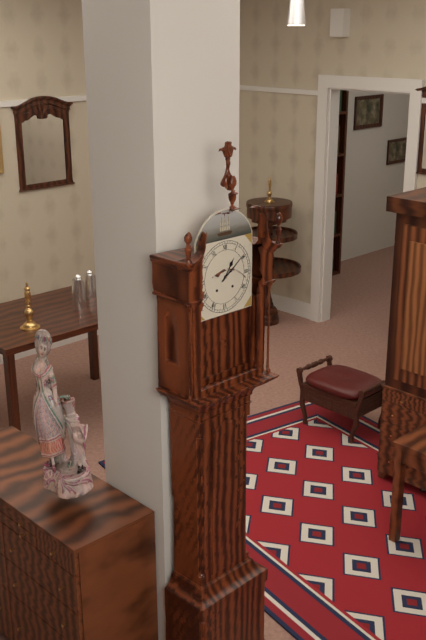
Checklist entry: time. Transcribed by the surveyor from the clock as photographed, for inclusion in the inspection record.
1:09
